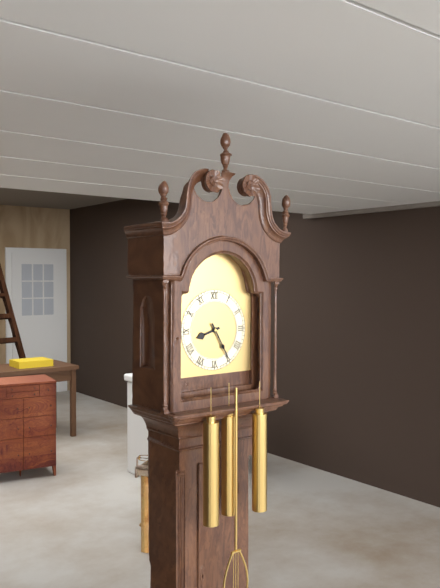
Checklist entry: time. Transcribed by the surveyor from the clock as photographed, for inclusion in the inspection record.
8:25
